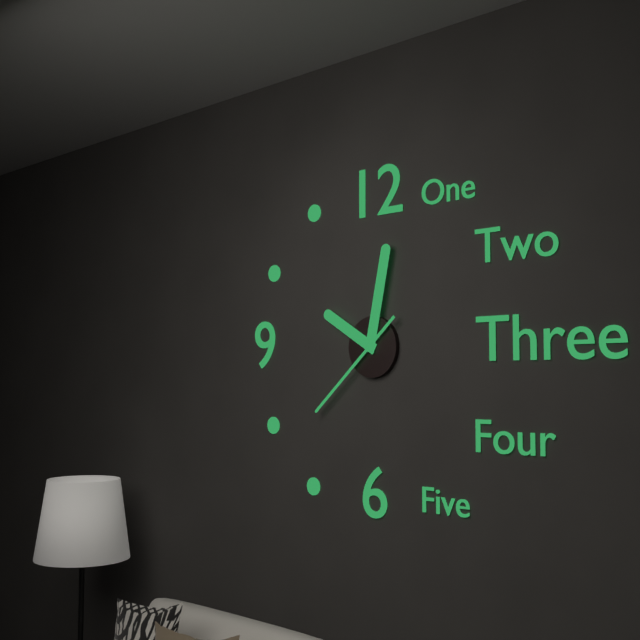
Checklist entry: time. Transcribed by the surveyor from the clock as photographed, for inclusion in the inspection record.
10:02:38
